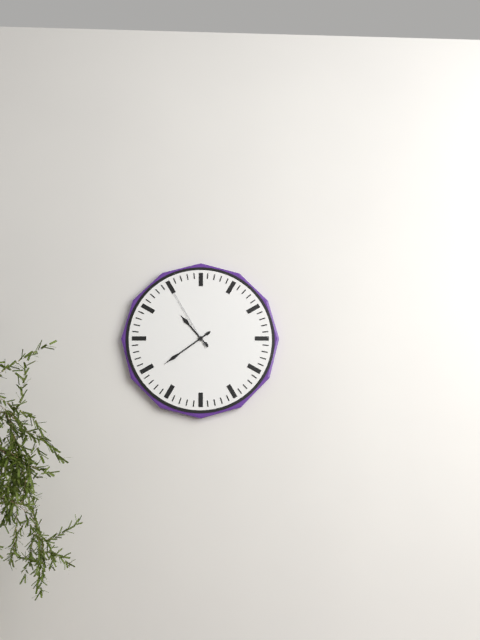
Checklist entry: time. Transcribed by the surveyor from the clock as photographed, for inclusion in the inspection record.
10:39:55
